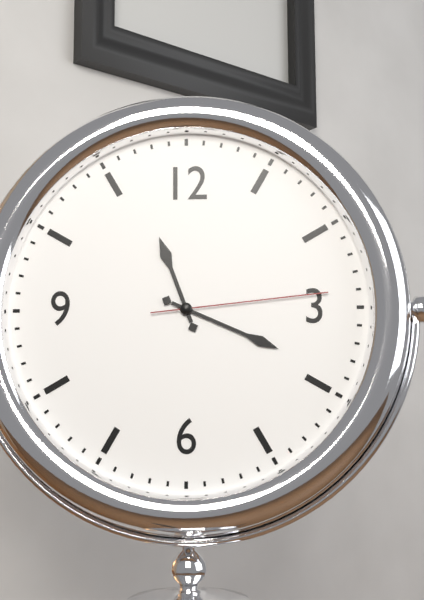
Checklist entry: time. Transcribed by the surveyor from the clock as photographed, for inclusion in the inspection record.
11:19:14
